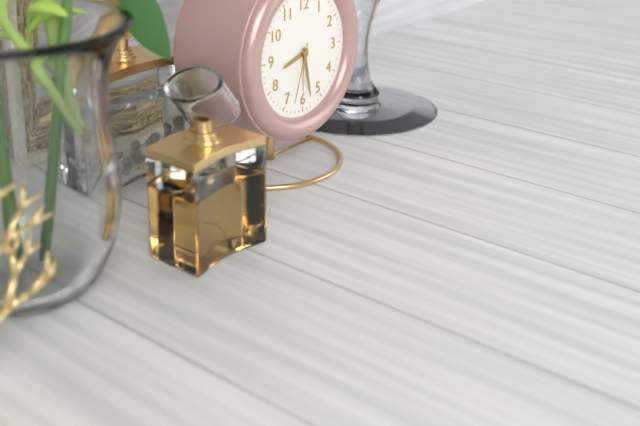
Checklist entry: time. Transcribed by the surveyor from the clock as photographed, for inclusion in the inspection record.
8:28:33
